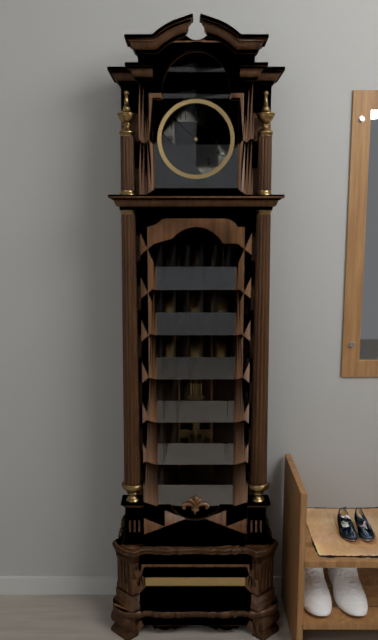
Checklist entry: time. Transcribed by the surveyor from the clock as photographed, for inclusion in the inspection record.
1:52
